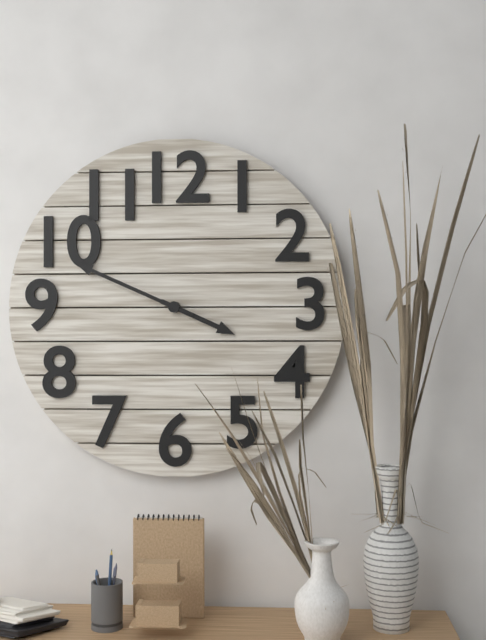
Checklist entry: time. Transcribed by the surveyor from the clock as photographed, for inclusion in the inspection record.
3:49
